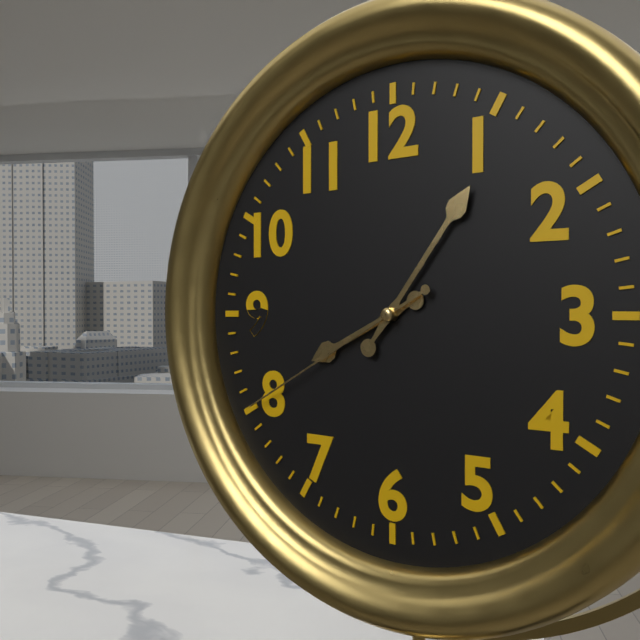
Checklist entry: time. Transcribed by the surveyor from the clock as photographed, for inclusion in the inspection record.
8:06:40
